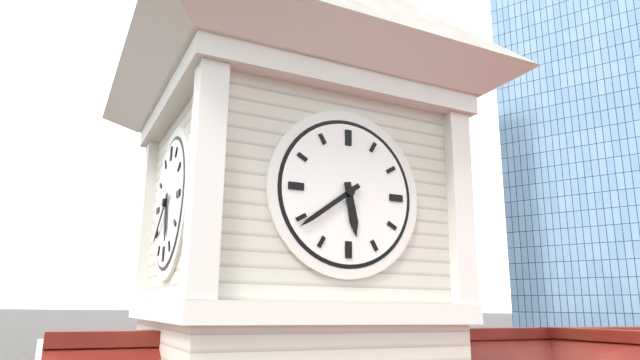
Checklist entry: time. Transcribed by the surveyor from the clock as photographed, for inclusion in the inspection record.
5:39
